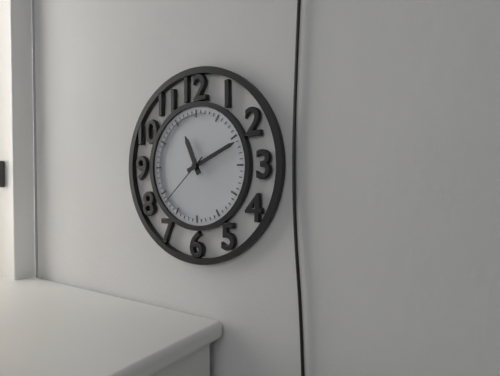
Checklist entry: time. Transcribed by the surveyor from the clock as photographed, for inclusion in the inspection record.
11:11:38
